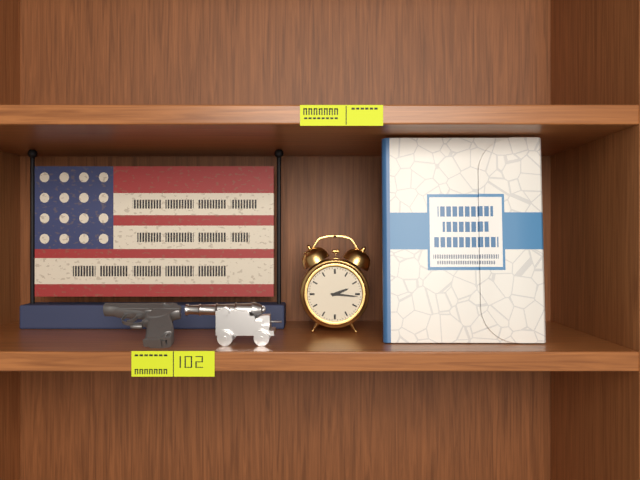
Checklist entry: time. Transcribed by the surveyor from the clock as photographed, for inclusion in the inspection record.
2:16
